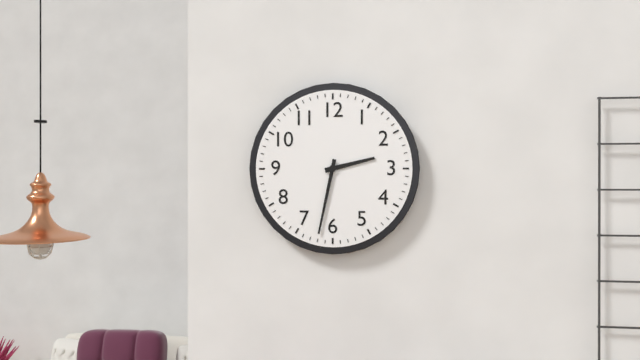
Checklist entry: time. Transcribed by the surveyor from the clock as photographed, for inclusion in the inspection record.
2:32
